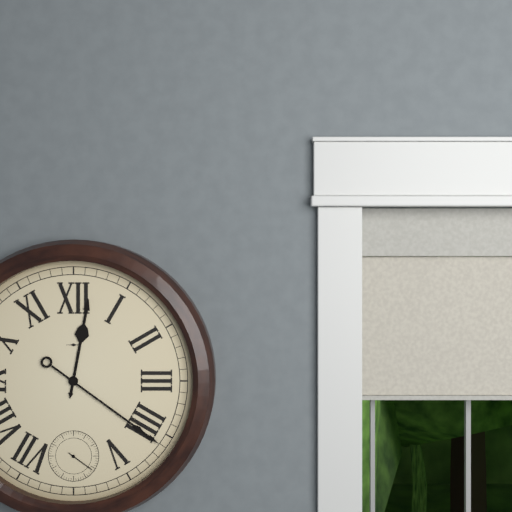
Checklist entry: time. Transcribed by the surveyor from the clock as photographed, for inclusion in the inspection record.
12:21
